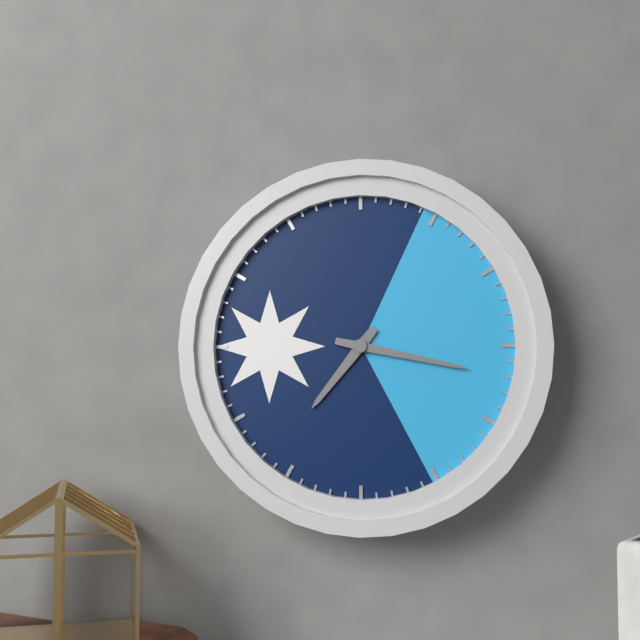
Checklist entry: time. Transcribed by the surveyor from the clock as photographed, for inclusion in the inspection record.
7:17
